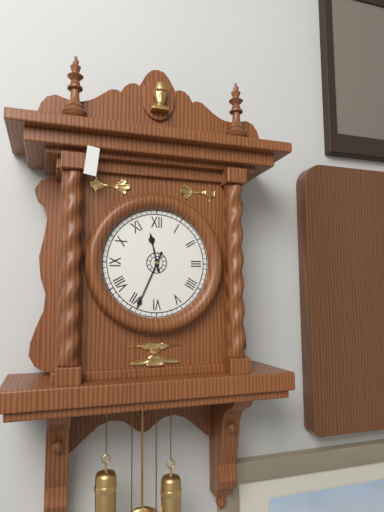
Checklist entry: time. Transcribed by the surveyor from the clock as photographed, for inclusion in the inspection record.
11:34
